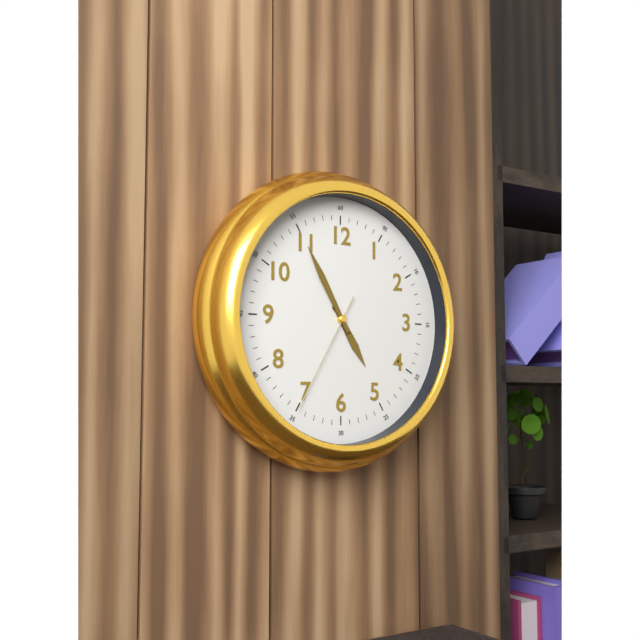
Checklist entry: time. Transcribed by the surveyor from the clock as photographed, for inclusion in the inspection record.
4:55:35
